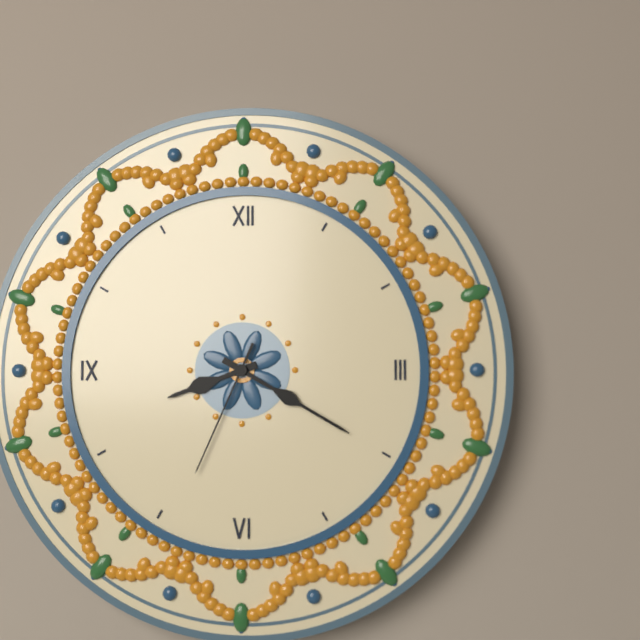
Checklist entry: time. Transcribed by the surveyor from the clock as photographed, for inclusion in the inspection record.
8:20:34
